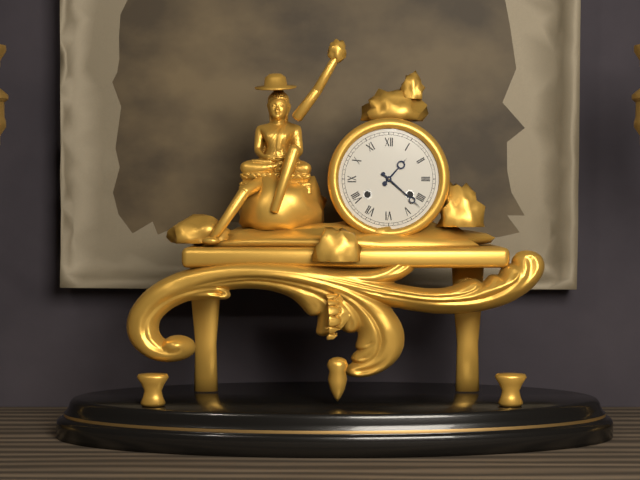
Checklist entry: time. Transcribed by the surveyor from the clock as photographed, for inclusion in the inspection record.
1:22
